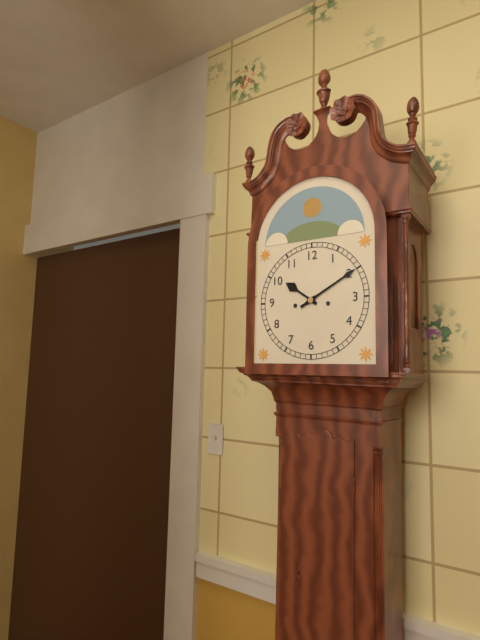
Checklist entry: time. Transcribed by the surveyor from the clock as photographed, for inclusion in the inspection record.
10:10
